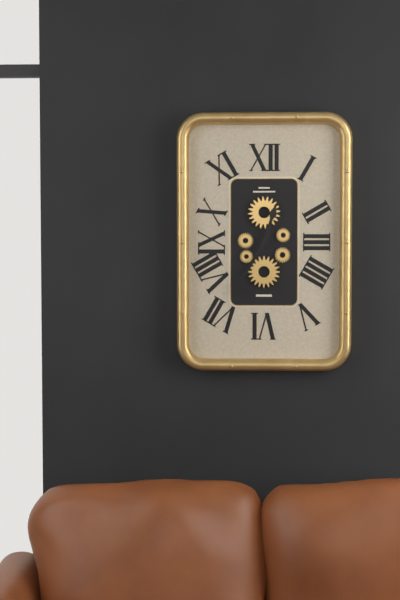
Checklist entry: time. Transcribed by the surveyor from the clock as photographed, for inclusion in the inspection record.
12:35
